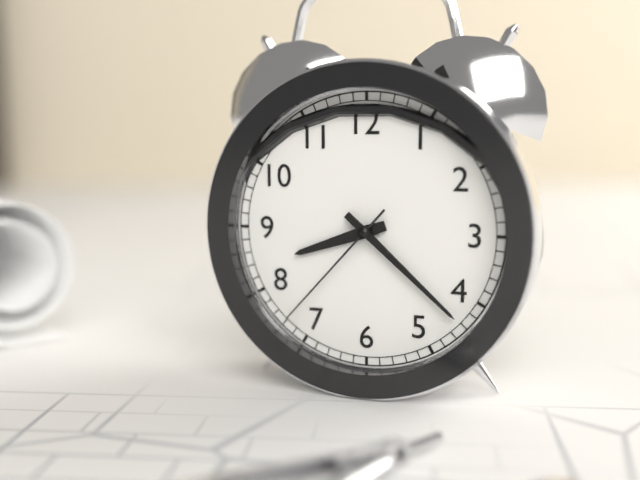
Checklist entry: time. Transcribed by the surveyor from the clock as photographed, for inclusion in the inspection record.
8:22:37
